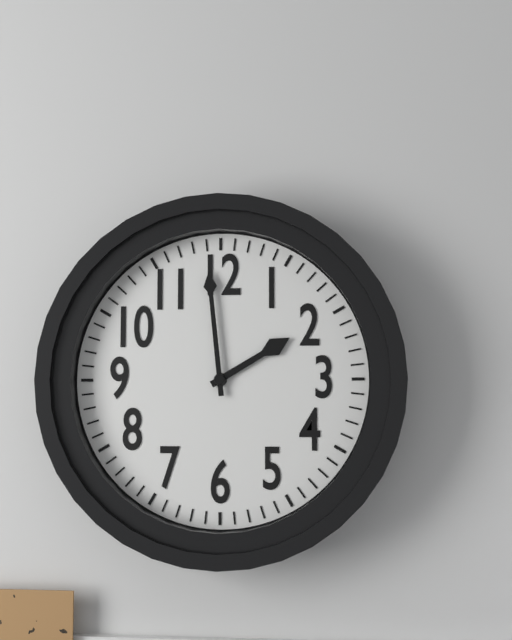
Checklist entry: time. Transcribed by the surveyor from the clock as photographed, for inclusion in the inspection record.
1:59
